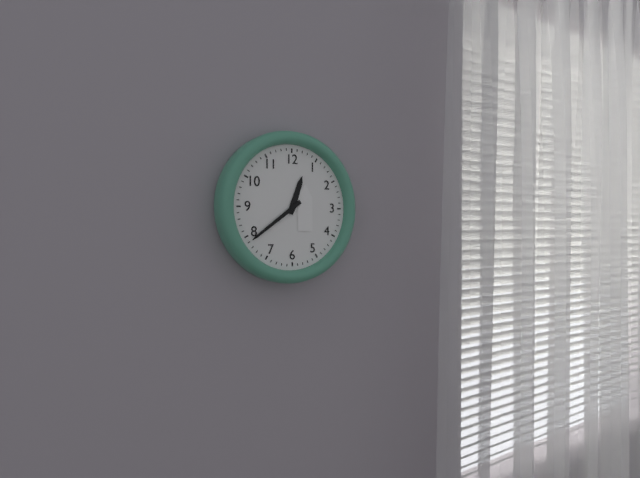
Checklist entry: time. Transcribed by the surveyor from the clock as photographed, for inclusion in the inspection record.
12:39
